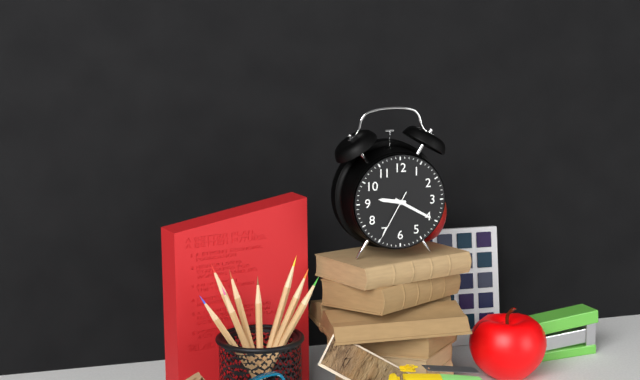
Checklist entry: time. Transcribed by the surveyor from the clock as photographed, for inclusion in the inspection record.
9:20:35
